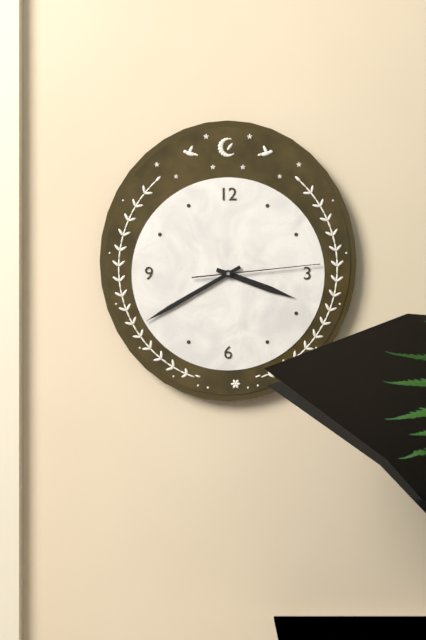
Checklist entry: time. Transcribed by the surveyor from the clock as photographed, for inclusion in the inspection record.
3:40:14
